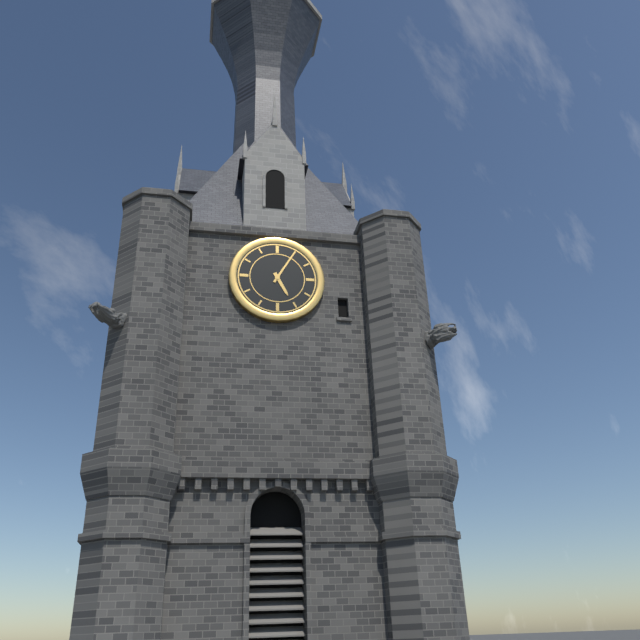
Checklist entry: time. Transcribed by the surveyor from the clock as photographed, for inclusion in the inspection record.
5:05
